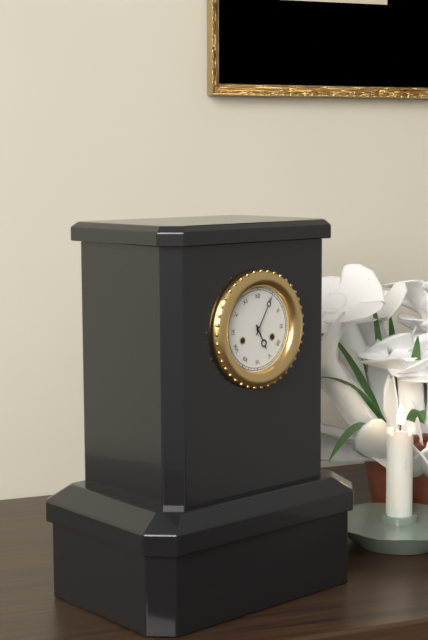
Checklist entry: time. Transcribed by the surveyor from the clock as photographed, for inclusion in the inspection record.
5:05
